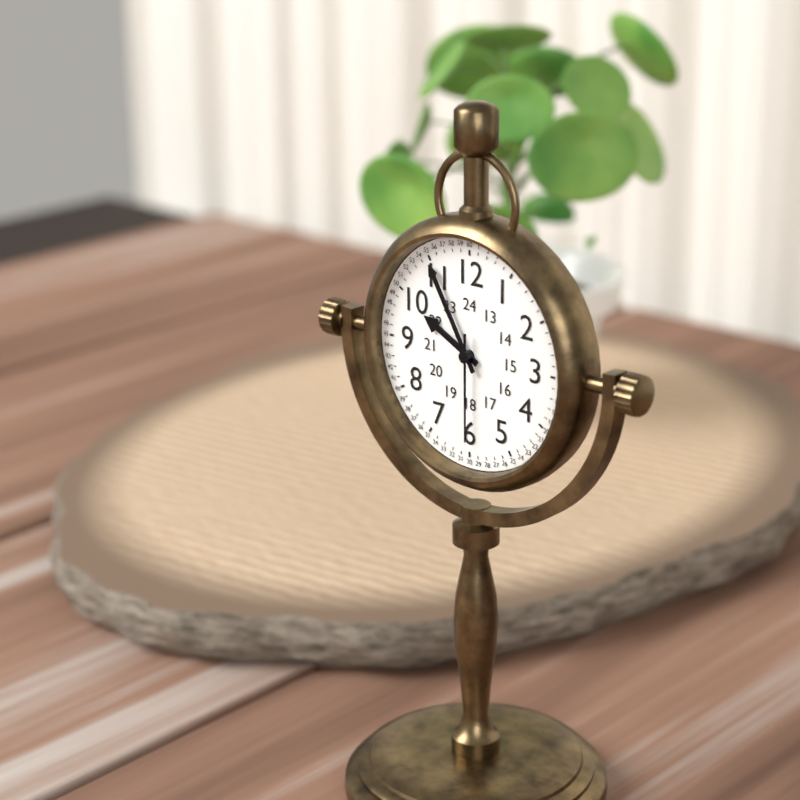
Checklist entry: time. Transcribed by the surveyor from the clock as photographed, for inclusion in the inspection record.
9:55:30
